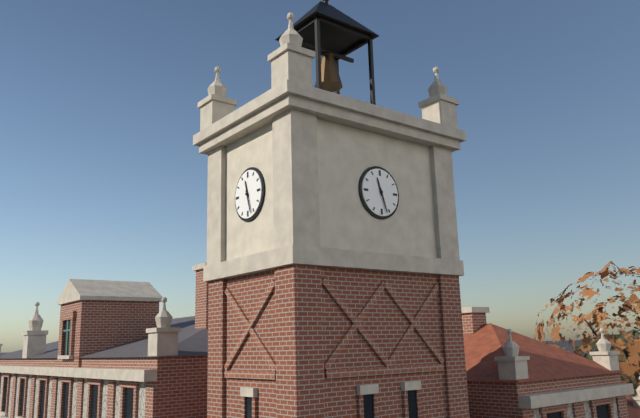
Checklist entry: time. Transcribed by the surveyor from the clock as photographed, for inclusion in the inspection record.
11:27
